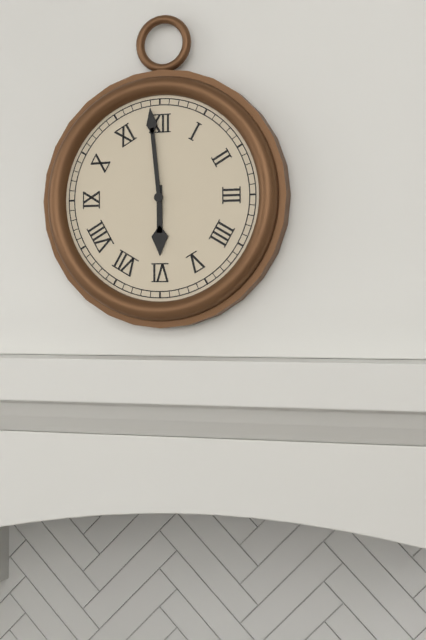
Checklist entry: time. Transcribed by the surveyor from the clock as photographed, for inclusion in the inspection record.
5:59
